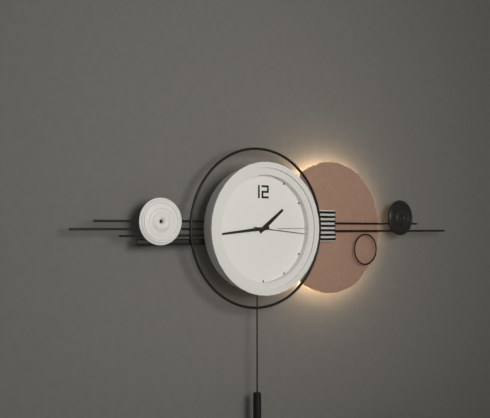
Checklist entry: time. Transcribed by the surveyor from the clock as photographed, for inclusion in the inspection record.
1:44:16
